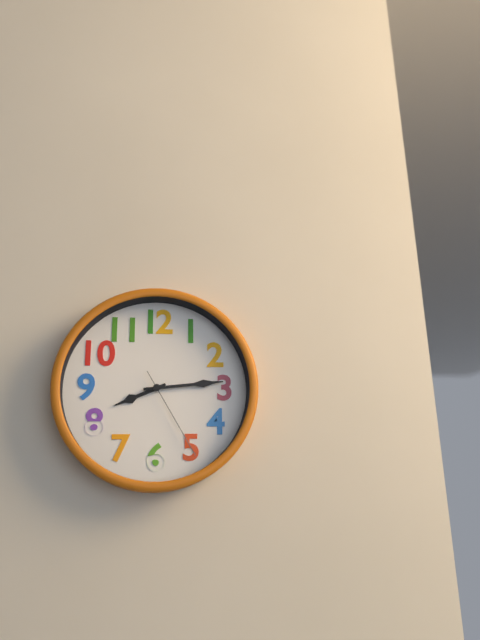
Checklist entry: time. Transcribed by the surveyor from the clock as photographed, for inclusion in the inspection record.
8:14:25
